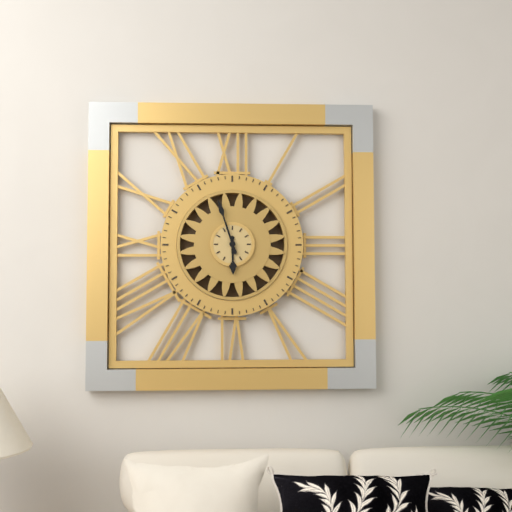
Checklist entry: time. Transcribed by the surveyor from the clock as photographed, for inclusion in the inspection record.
5:57
